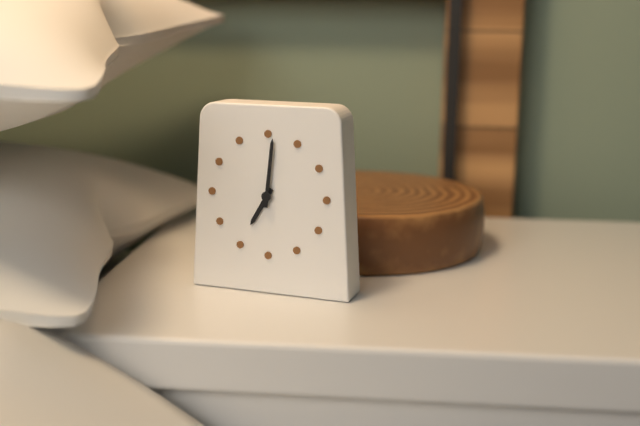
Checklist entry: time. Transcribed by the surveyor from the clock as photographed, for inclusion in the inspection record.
7:01
